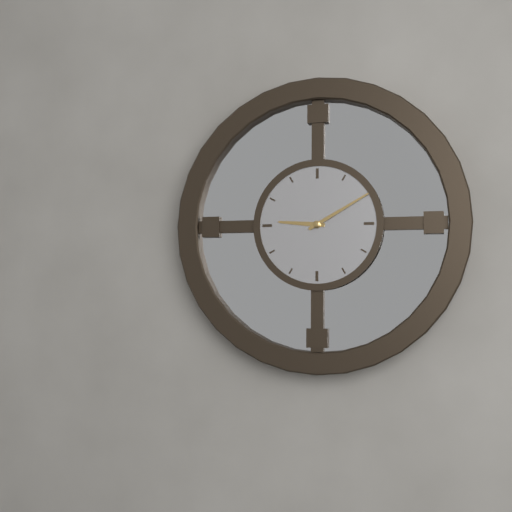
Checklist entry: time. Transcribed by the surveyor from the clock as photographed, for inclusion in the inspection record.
9:10
